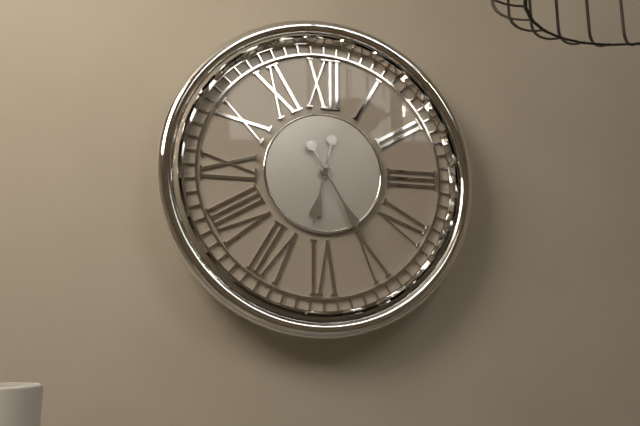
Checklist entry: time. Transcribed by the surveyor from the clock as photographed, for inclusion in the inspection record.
6:25
